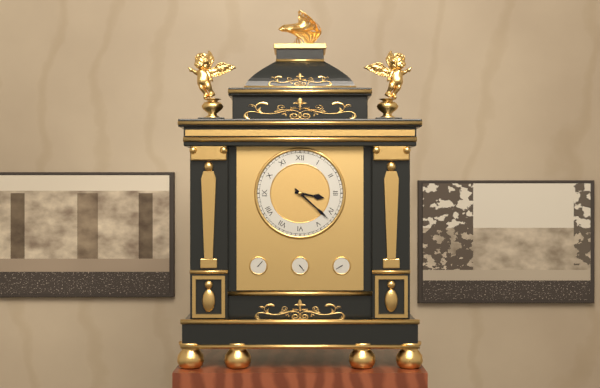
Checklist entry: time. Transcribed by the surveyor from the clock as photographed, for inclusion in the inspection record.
3:22
